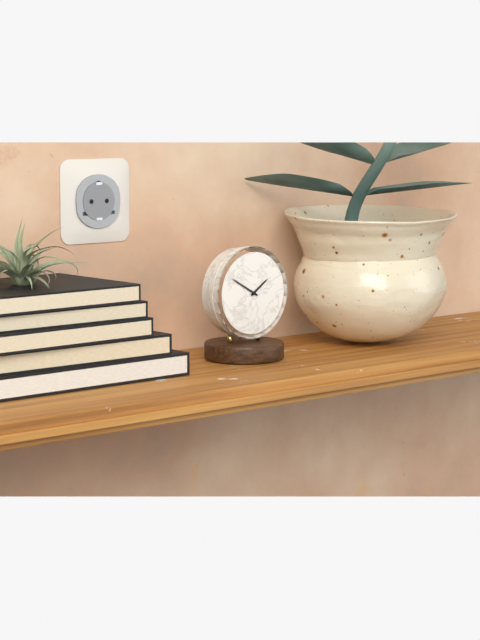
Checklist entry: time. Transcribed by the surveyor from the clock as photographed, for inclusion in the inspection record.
1:50
